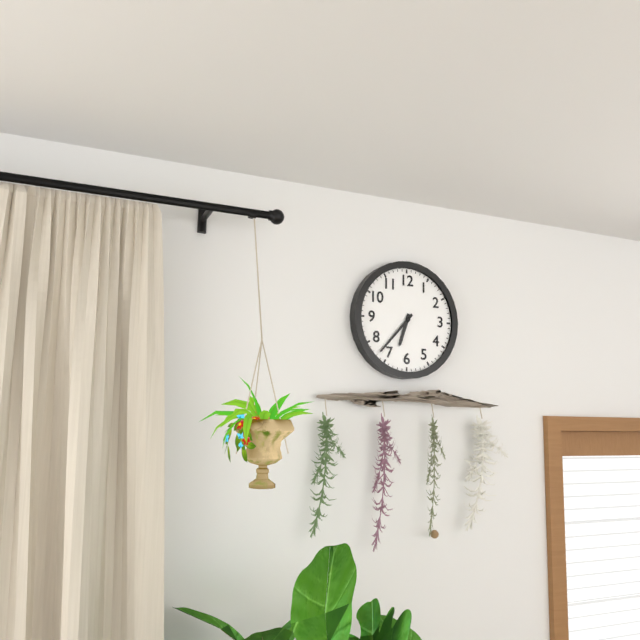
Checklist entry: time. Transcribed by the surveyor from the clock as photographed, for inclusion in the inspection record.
6:37
